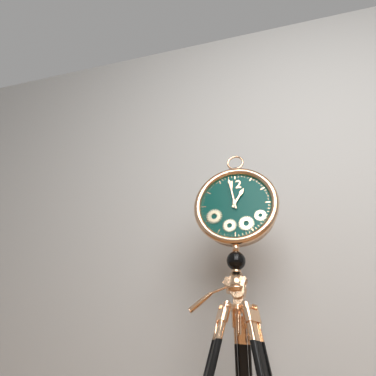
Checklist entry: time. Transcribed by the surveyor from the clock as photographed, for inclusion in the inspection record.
12:58
